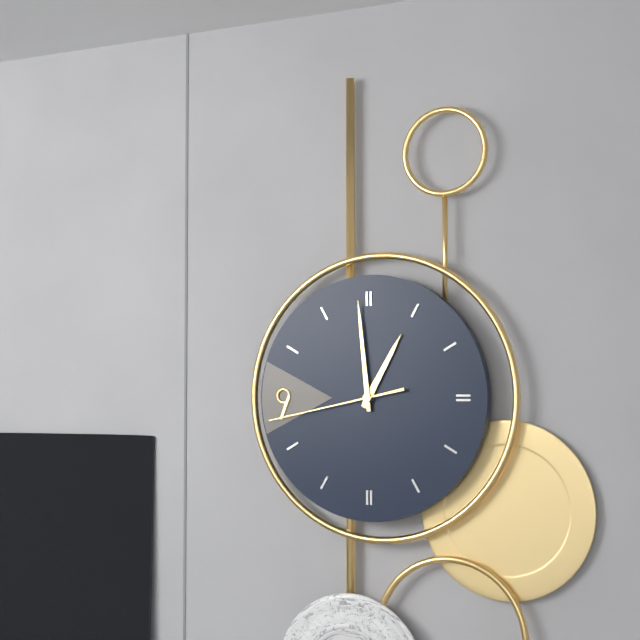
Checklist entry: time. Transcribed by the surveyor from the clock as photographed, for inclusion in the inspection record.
12:59:43
